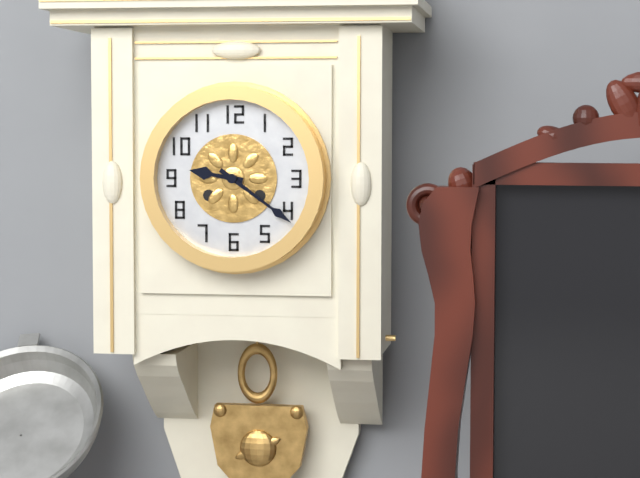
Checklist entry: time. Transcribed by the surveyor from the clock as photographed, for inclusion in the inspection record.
9:21
